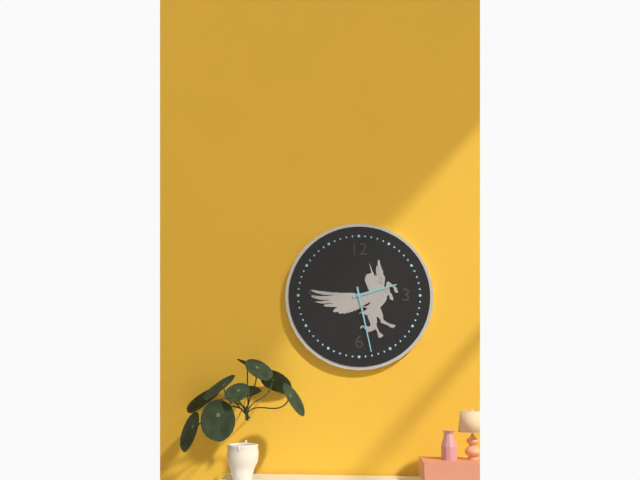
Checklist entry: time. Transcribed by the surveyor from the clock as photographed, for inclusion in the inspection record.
2:28
